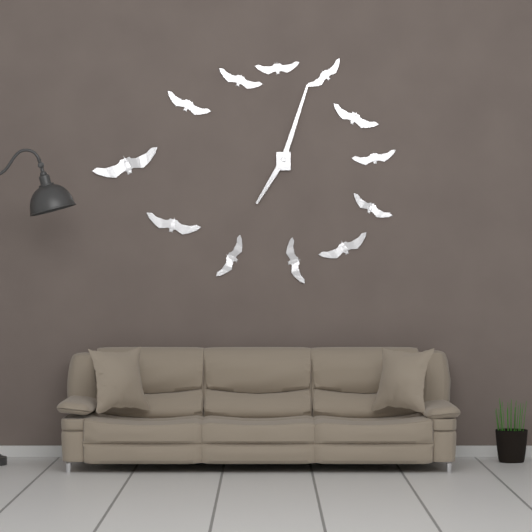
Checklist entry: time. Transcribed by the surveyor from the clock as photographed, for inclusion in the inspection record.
7:03
